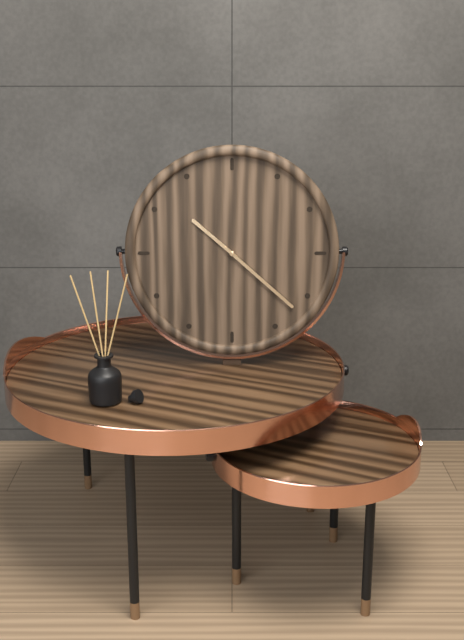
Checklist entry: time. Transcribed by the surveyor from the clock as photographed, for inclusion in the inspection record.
10:22
